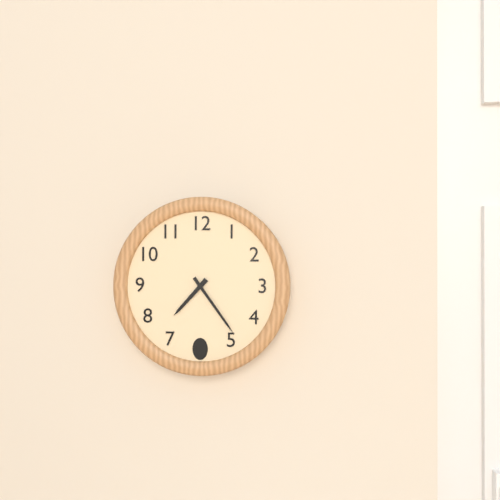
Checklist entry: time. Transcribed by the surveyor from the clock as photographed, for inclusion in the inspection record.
7:24
